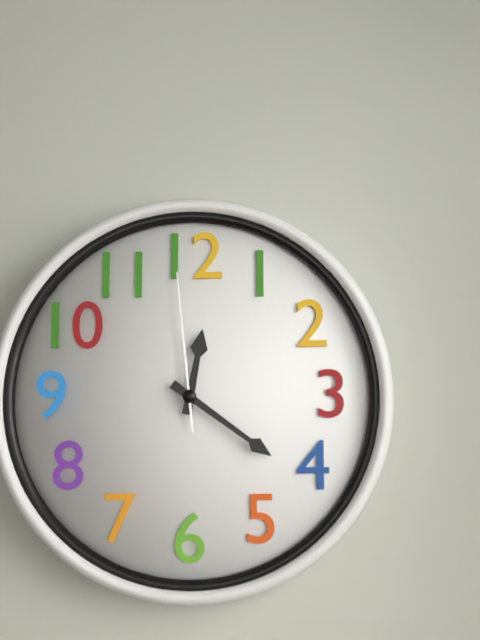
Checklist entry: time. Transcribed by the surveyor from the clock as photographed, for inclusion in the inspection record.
12:21:59
